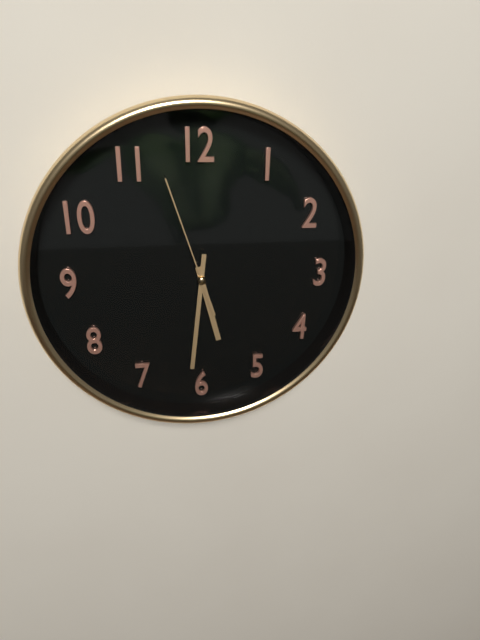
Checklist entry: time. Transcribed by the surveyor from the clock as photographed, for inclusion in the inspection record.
5:31:57
